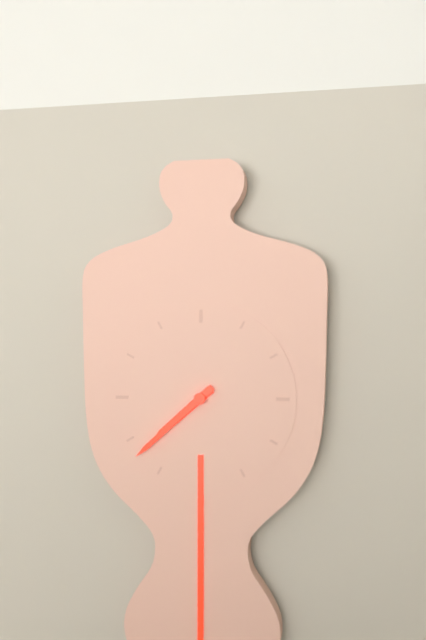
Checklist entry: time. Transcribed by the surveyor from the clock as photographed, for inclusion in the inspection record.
7:38
